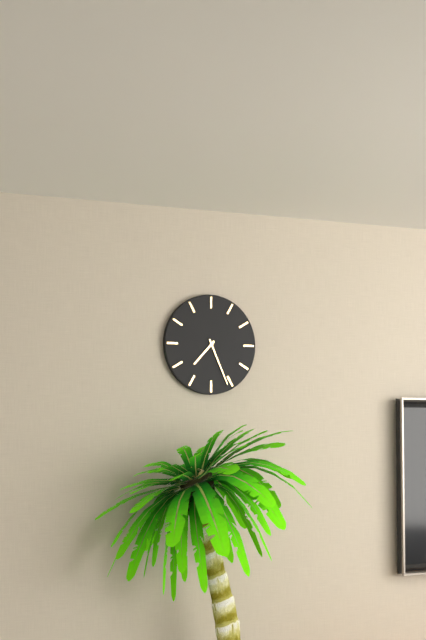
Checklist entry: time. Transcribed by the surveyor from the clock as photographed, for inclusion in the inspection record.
7:26
